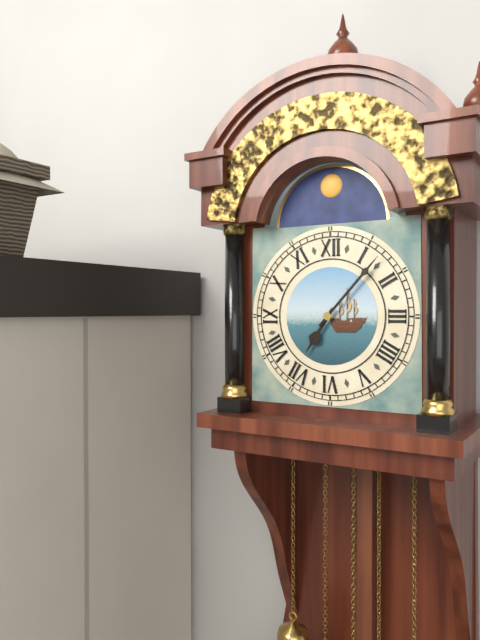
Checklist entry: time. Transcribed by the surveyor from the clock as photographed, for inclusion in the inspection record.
7:07
